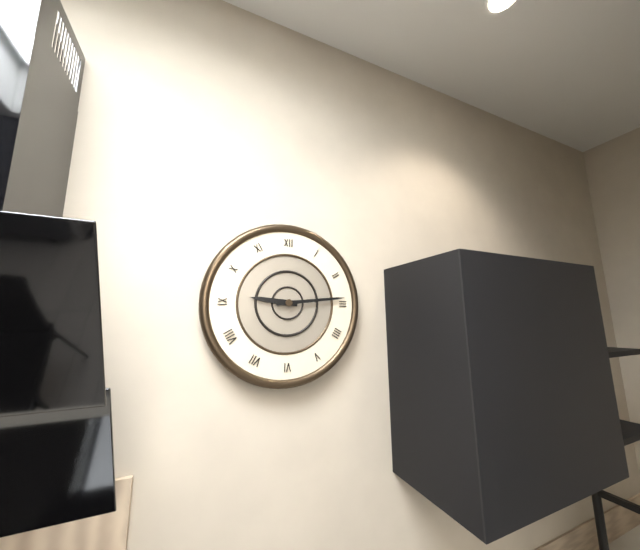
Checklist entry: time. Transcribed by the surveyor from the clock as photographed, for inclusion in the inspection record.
9:14
